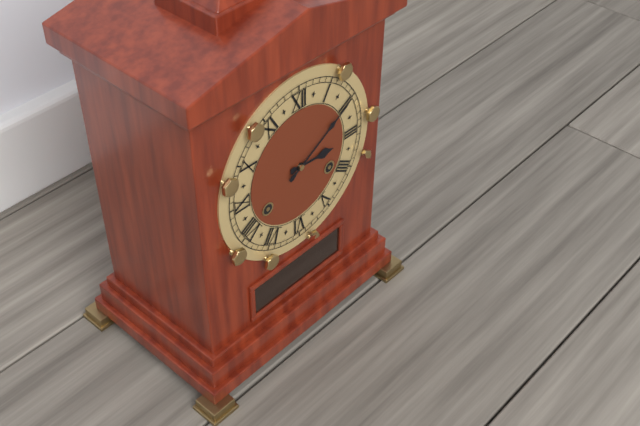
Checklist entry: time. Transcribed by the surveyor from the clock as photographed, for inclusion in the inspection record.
3:10
